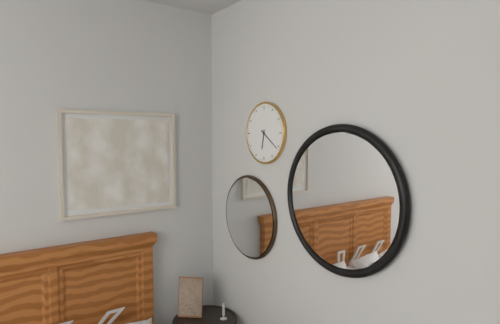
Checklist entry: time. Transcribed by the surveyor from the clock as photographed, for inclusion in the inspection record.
6:21
